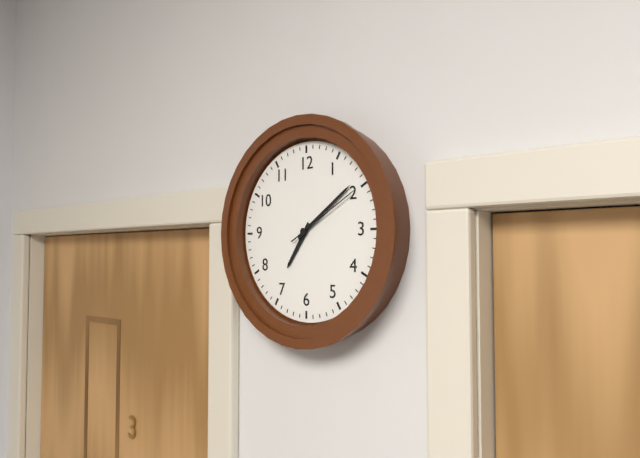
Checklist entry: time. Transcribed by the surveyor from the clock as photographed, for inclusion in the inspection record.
7:09:10
